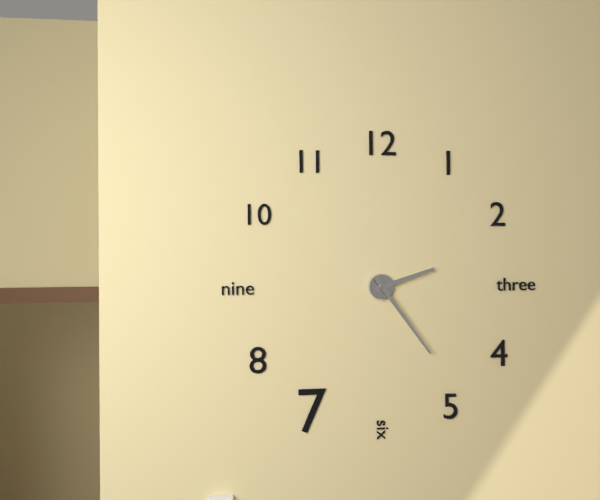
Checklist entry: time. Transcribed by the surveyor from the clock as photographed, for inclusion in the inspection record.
2:24
